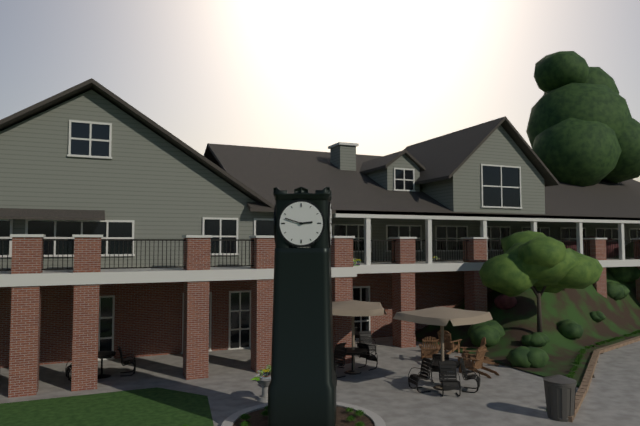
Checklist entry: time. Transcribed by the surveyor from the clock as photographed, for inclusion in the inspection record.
2:48
